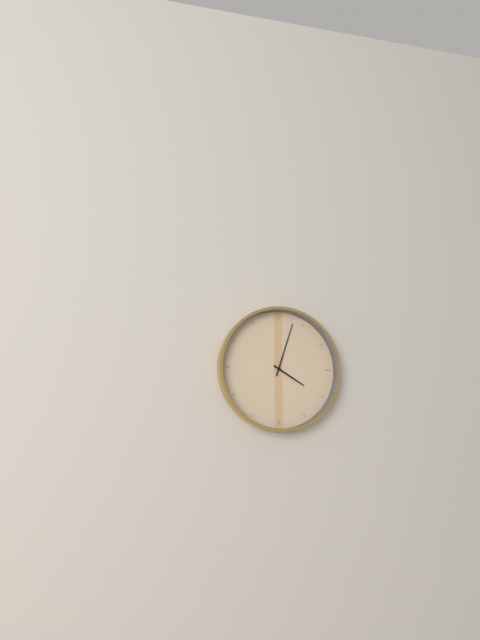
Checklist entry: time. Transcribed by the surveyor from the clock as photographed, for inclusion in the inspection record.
4:03
